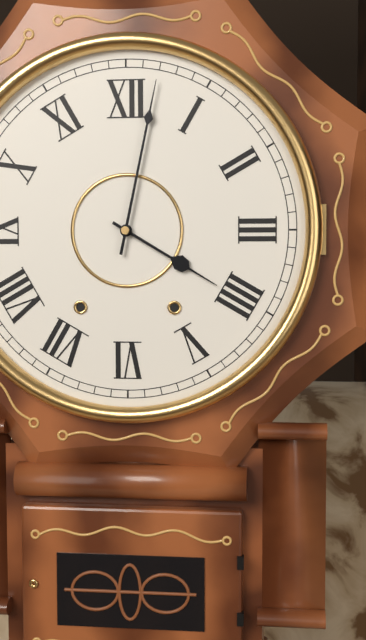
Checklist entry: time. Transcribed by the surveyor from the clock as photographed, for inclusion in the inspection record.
4:02
